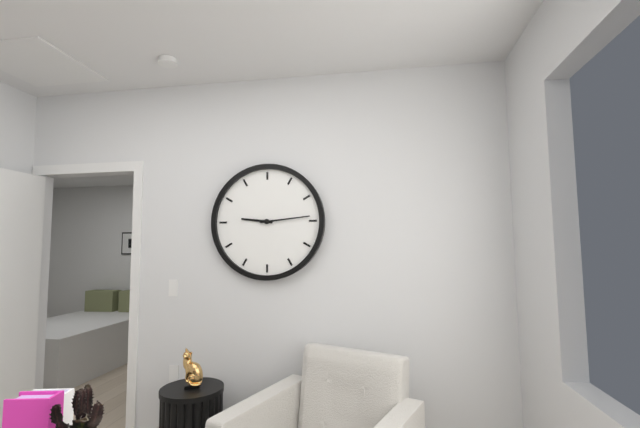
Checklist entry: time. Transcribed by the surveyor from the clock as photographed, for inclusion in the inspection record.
9:14
